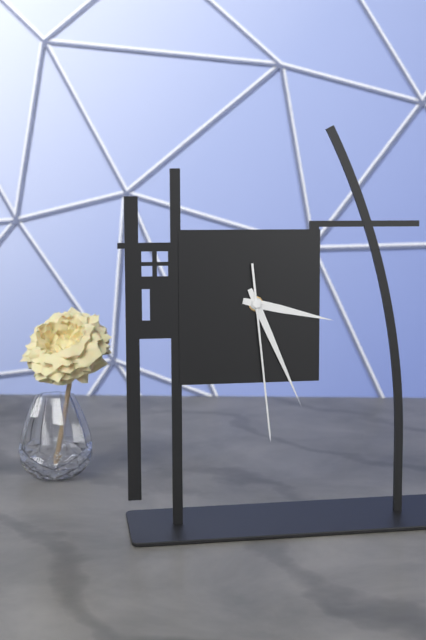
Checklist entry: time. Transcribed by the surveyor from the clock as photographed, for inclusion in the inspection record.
3:26:29
